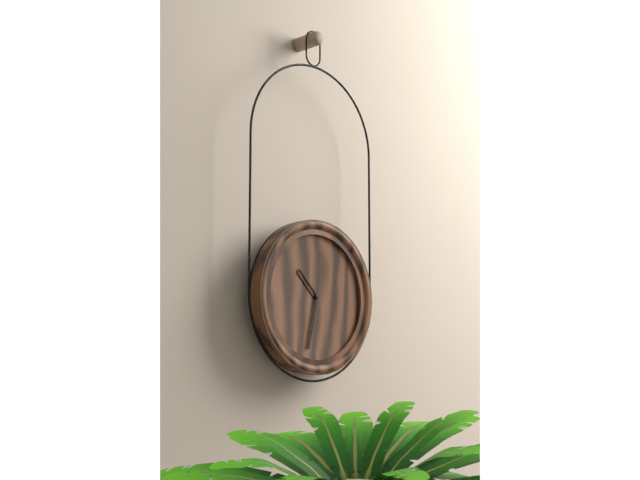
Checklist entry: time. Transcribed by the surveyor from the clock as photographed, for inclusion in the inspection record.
10:32
